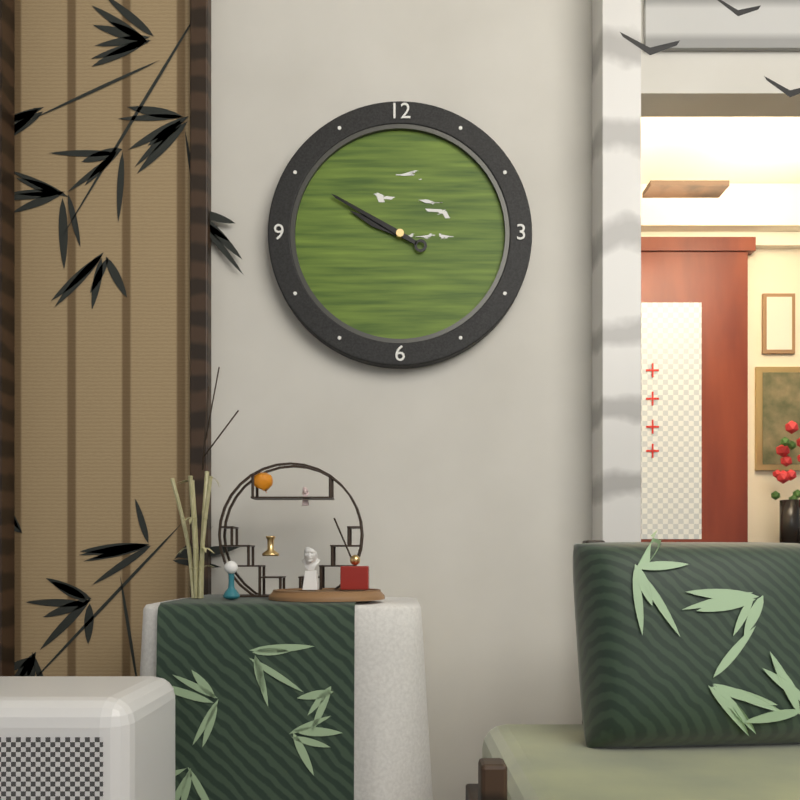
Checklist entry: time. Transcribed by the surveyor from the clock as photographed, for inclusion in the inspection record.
9:50
